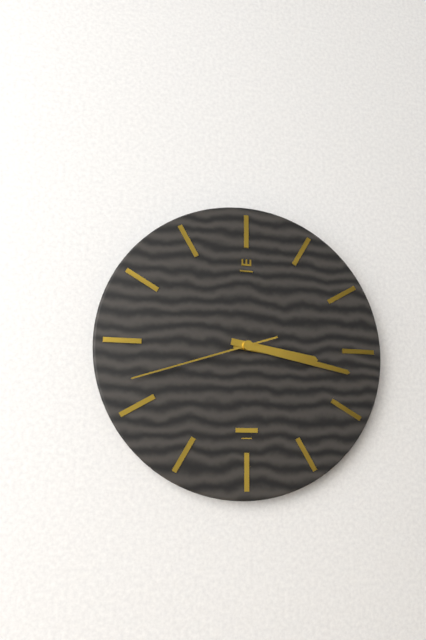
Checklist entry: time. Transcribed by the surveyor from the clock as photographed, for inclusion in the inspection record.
3:17:42
